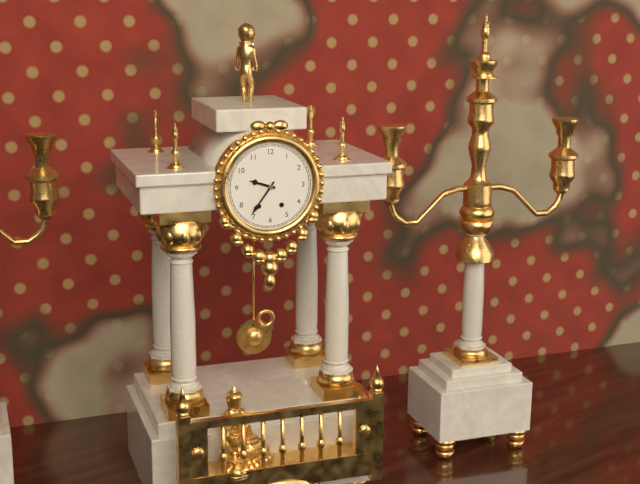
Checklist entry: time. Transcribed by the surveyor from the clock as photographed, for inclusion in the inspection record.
9:36
